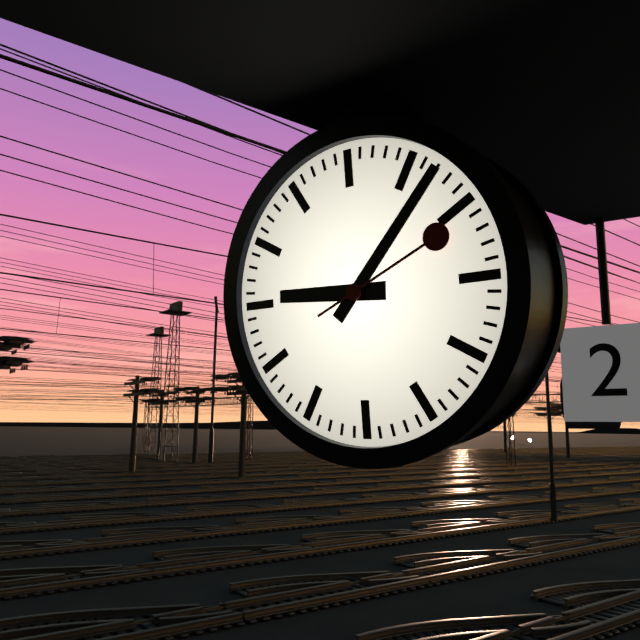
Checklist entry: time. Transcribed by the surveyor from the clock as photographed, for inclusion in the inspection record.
9:07:11
